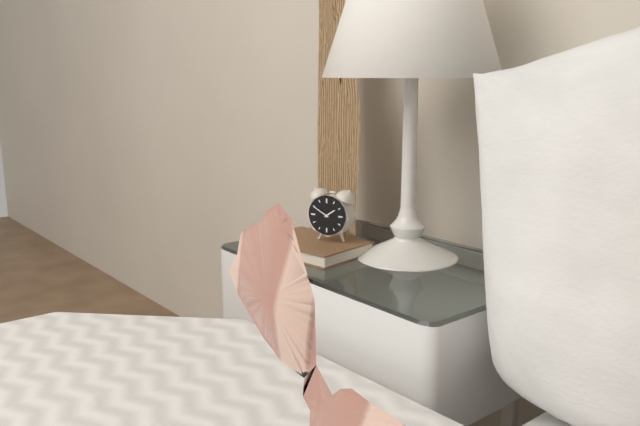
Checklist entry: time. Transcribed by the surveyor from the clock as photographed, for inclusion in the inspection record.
1:50
